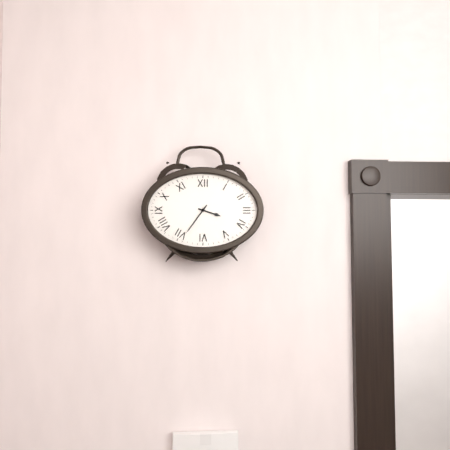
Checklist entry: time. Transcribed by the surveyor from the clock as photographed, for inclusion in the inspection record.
3:36
